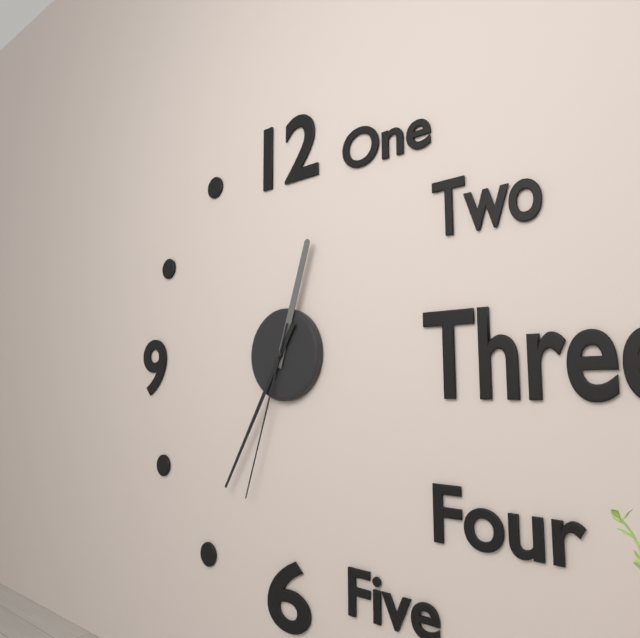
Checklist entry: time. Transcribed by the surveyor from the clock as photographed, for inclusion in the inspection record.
12:35:33
